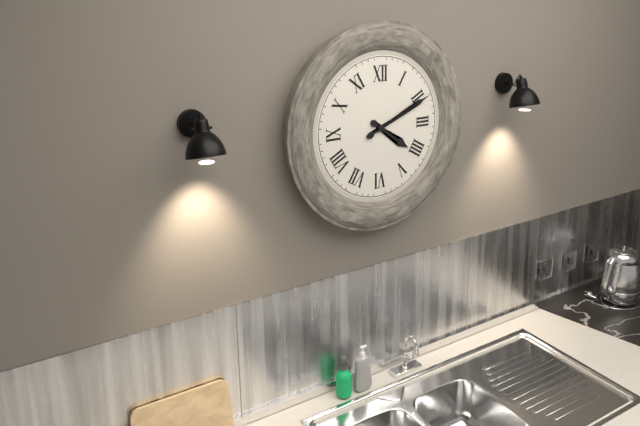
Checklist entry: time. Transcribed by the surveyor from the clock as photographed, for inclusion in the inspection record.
4:11
